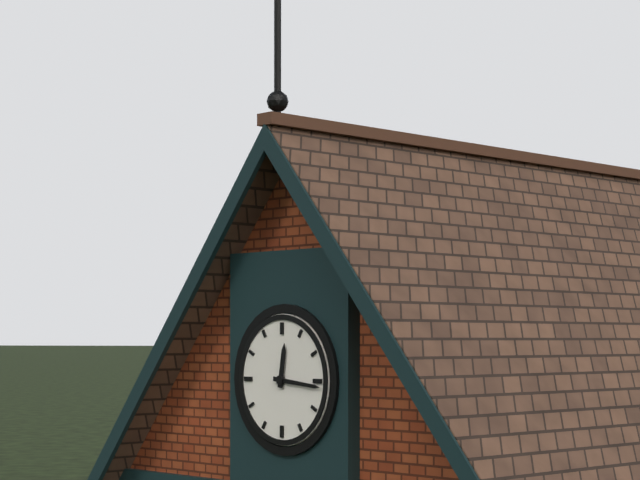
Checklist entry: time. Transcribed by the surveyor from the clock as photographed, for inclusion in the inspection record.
12:16
